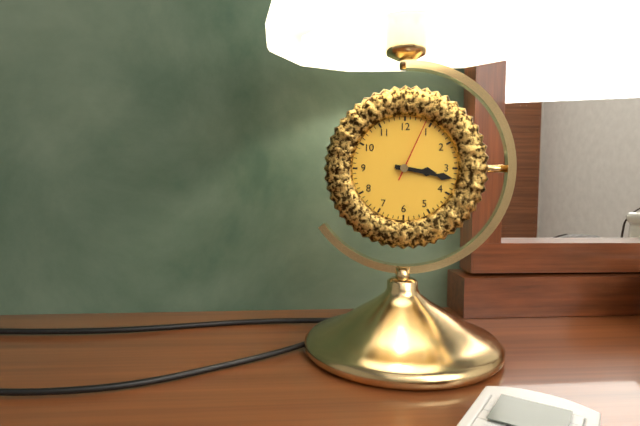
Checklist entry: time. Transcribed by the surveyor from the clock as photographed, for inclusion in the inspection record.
3:17:04
